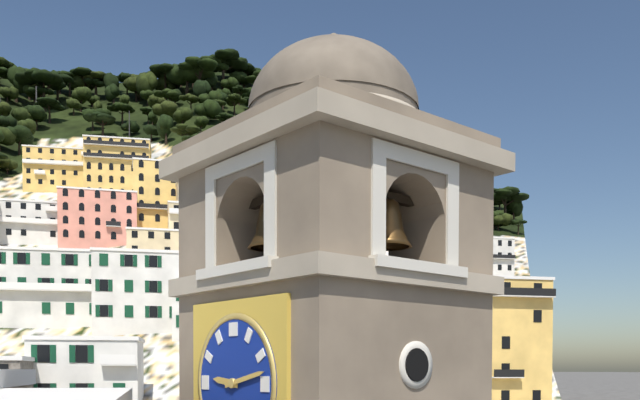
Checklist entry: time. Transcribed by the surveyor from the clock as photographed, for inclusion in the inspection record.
9:13
